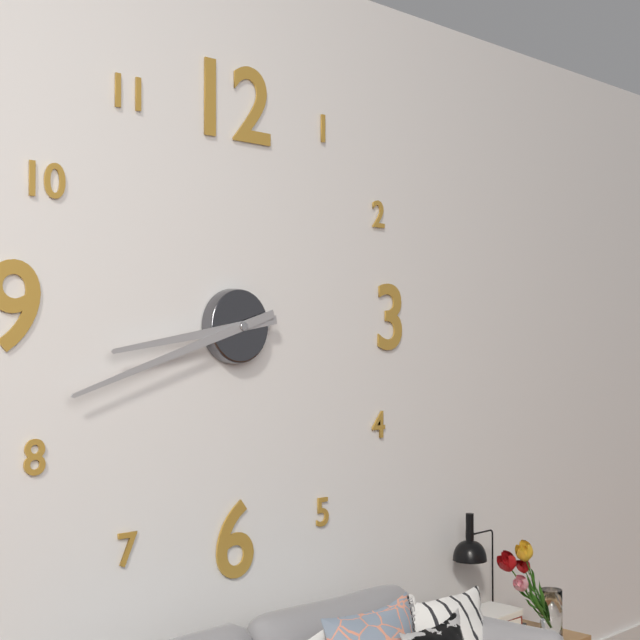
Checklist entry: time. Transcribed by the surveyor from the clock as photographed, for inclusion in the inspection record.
8:42
